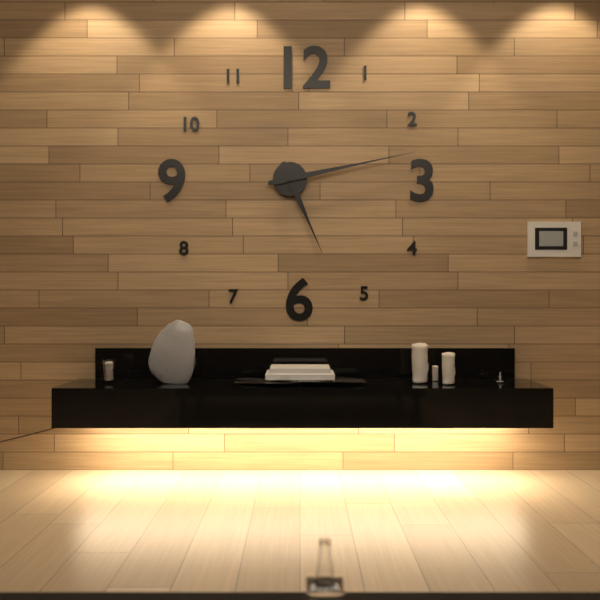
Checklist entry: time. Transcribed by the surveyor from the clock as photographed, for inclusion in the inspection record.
5:13
